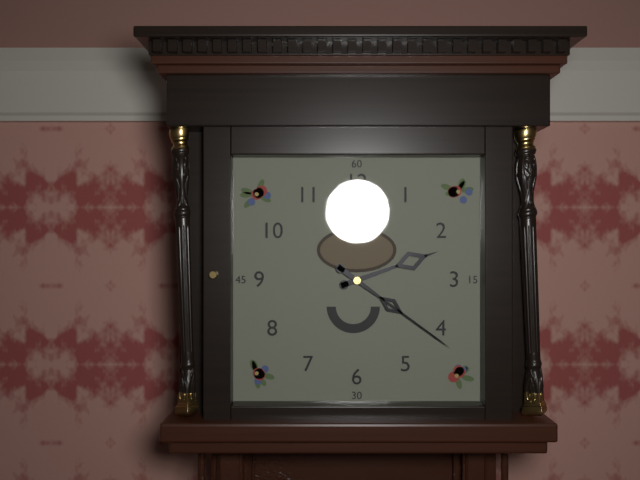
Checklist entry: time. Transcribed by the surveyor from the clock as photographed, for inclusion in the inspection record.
2:21
